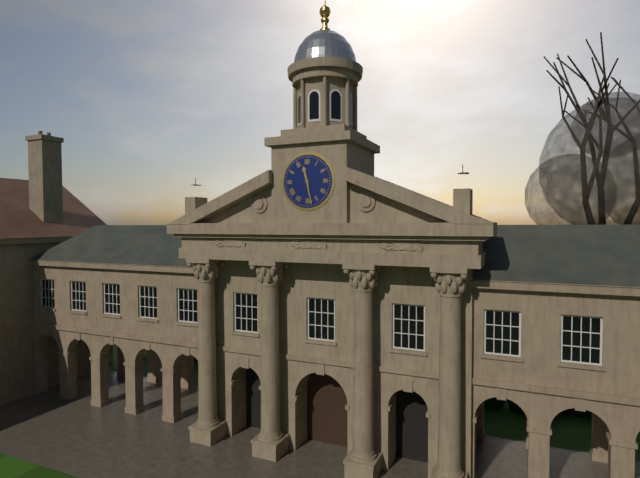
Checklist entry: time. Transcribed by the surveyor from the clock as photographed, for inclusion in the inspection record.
11:28
